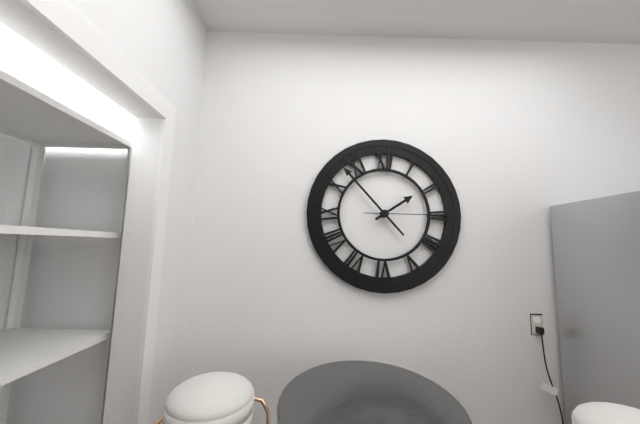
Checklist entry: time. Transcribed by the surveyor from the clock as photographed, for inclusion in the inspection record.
1:53:15
